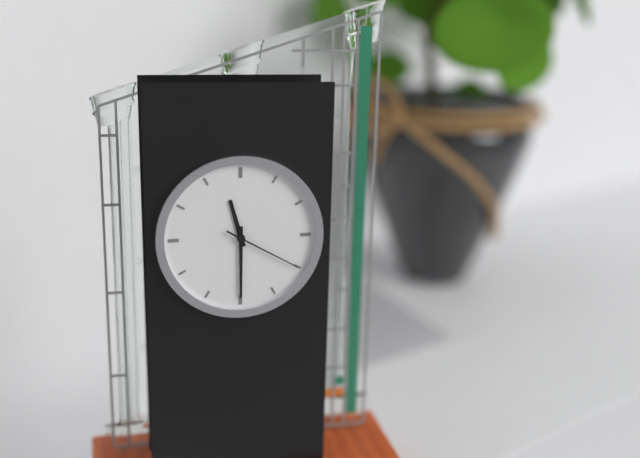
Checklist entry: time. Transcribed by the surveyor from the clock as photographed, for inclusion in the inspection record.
11:30:20
